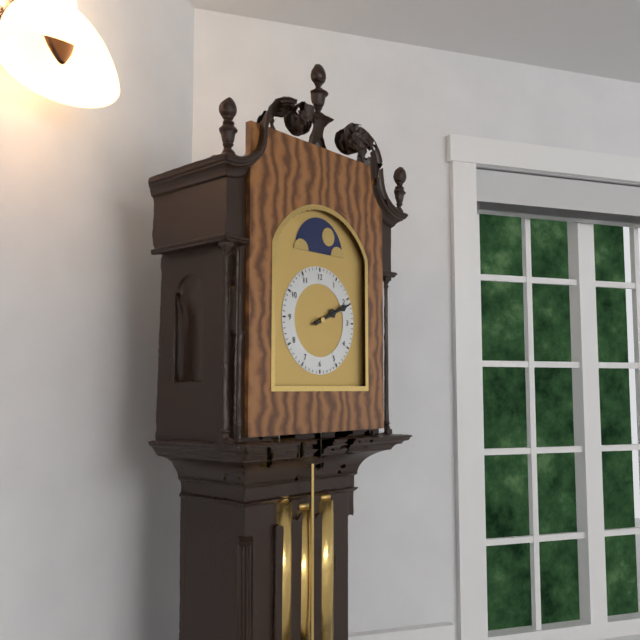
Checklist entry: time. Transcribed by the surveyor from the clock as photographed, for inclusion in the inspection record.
2:11
